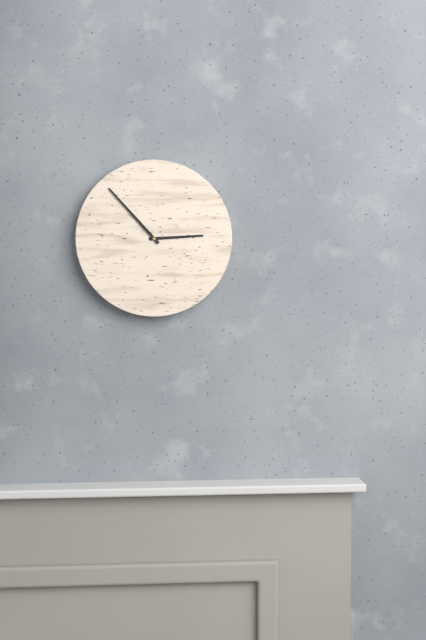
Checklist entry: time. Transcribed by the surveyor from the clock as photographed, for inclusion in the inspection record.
2:53
